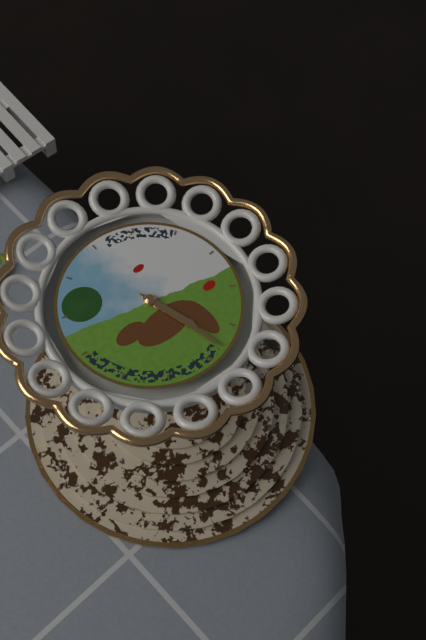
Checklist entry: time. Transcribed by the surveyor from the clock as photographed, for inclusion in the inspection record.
5:28
